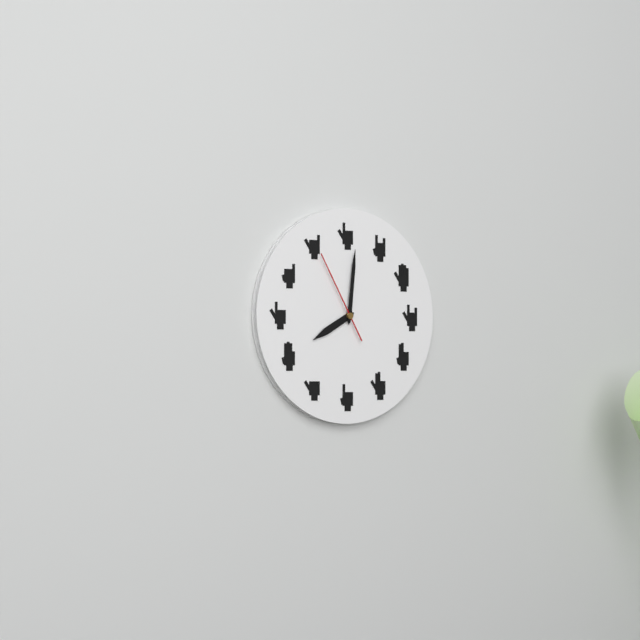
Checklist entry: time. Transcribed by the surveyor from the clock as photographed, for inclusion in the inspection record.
8:01:55
